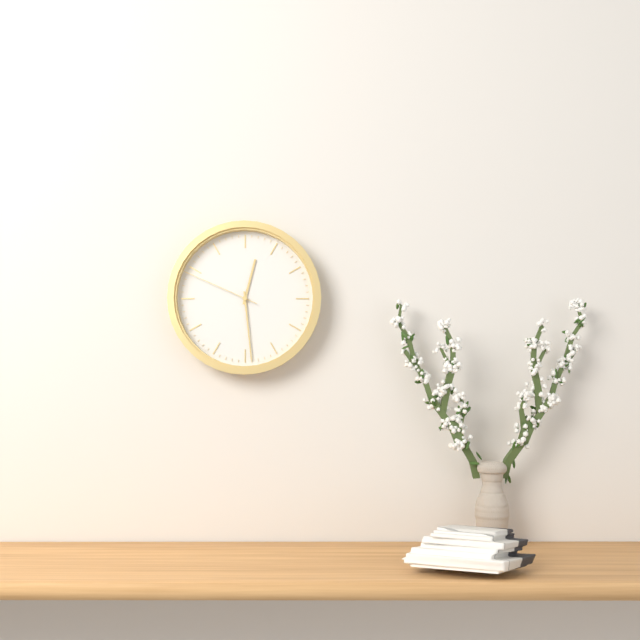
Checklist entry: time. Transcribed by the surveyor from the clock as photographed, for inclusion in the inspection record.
12:29:49
